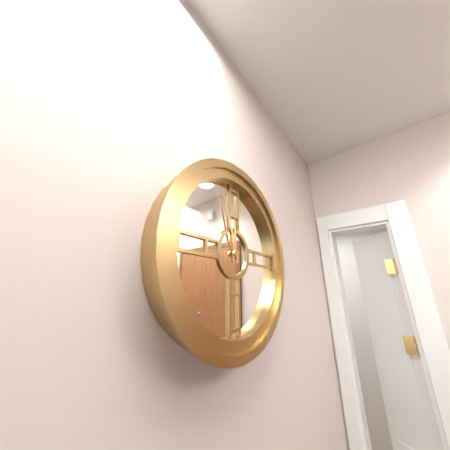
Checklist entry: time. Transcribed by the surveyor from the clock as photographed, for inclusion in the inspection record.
11:57
